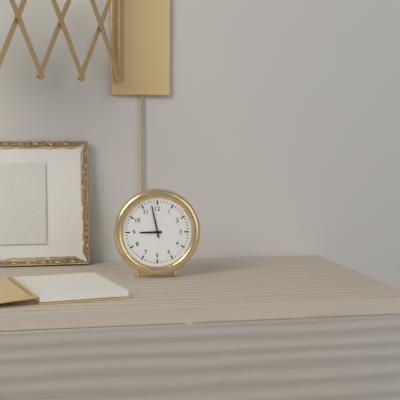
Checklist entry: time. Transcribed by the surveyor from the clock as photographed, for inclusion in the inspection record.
8:58
